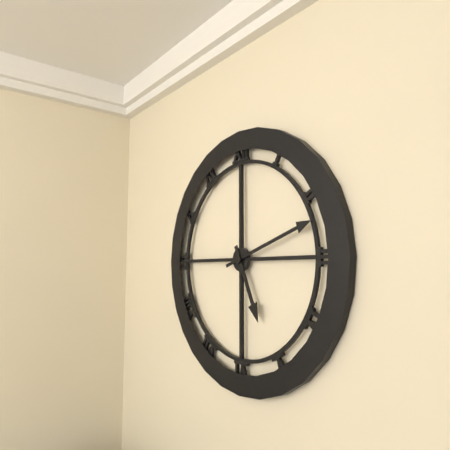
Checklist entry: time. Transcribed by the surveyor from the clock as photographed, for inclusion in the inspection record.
5:12
